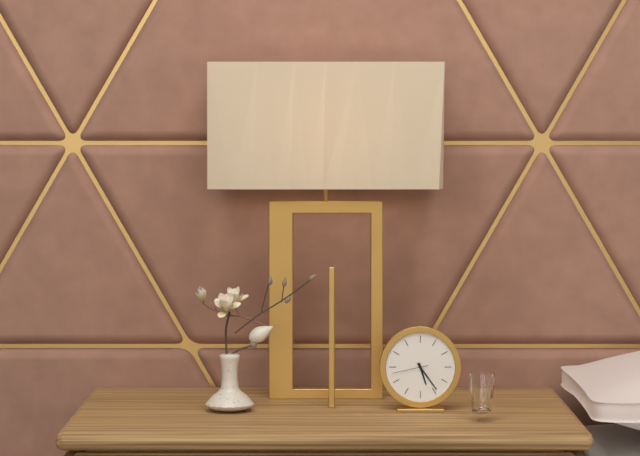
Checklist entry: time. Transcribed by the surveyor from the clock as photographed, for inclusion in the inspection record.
5:24
